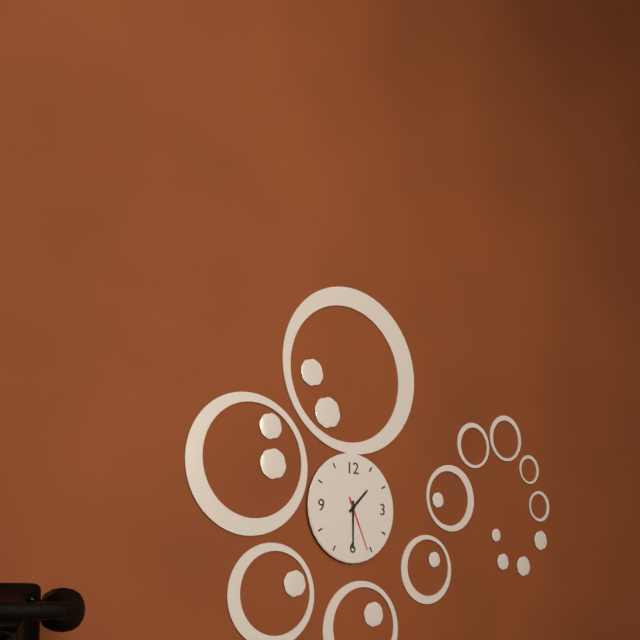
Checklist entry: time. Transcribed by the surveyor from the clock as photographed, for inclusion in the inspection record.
1:30:26
